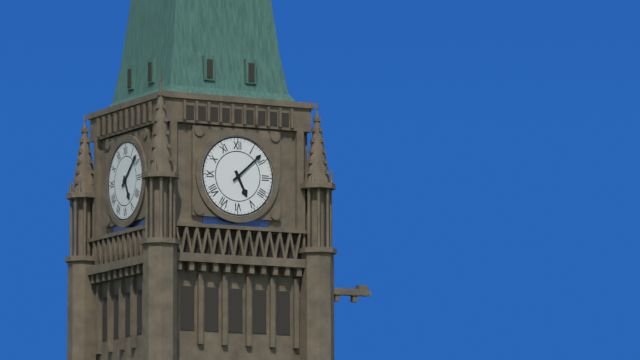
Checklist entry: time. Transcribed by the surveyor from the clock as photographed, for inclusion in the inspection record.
5:08
